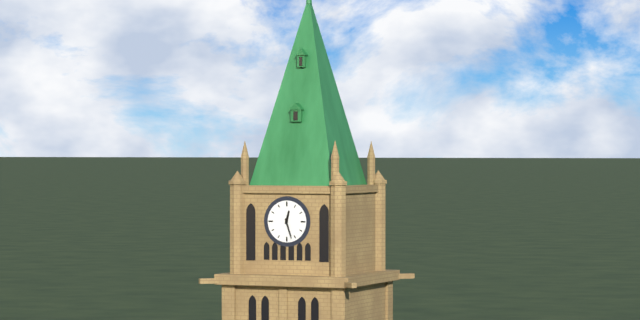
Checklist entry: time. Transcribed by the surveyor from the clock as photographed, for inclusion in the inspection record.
12:27
